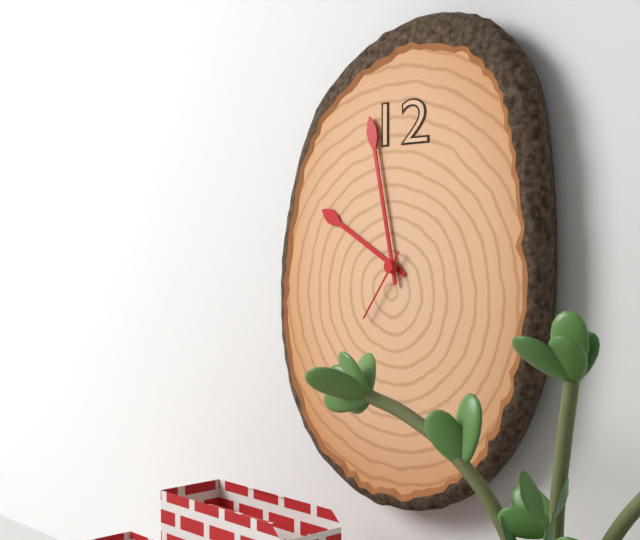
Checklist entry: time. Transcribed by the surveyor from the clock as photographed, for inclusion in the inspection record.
9:58:36
